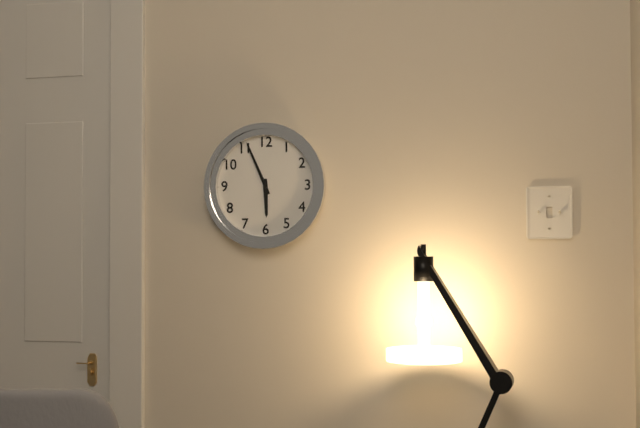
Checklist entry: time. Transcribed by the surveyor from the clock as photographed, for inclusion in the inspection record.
5:56
